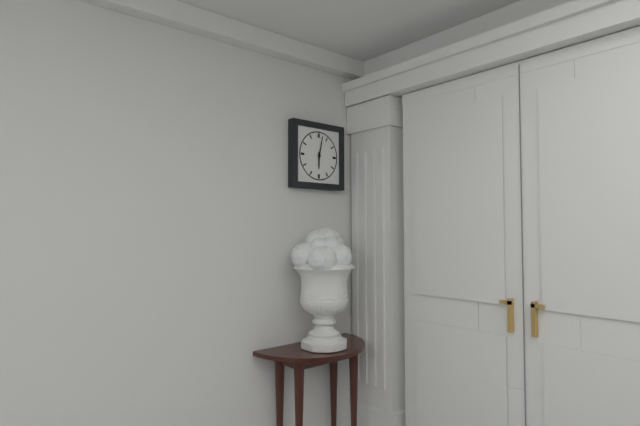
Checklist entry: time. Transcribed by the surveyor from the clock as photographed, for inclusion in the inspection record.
6:02
